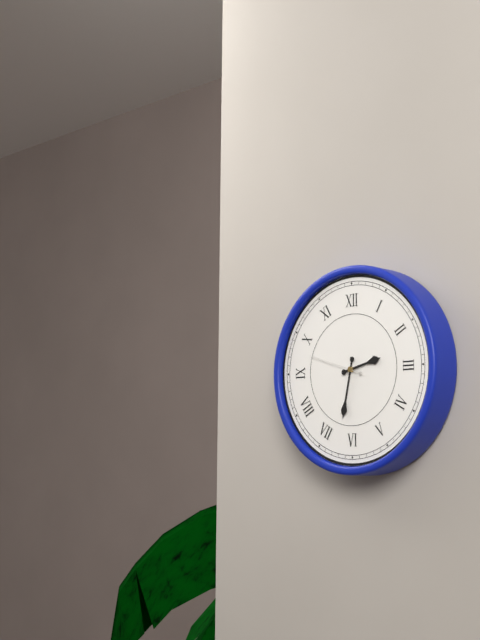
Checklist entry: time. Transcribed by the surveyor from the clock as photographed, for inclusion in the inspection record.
2:32:48
